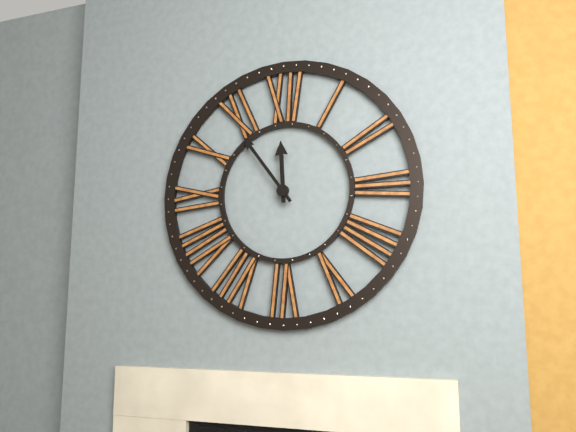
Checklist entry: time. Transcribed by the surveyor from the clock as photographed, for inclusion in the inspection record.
11:54
